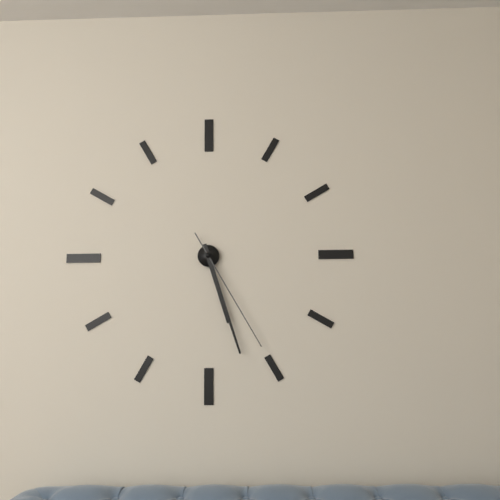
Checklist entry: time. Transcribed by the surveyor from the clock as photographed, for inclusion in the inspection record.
5:27:25
